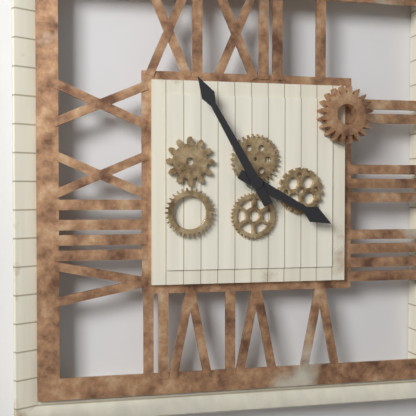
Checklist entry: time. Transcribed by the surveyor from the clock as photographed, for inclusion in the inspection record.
3:55
